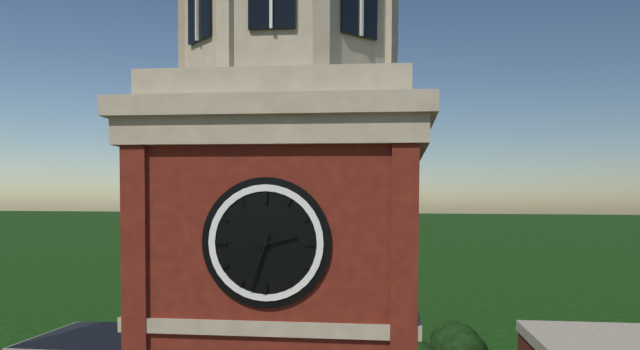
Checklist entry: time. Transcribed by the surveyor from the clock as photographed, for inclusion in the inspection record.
2:33
